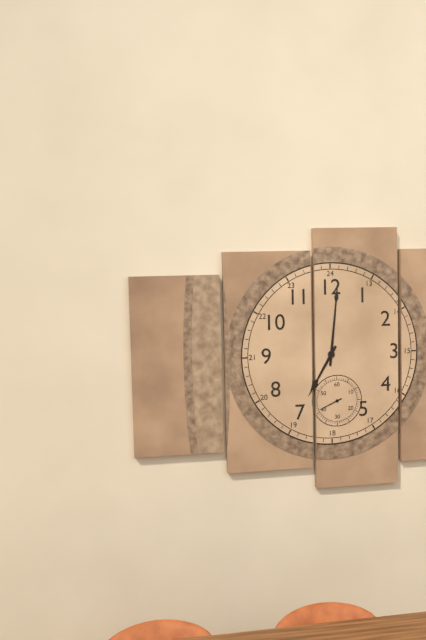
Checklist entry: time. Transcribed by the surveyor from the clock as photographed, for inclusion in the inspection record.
7:01
